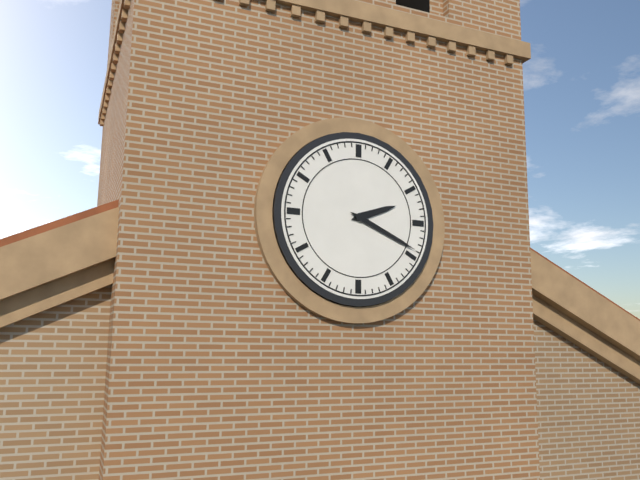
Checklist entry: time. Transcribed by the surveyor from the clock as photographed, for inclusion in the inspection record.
2:19
